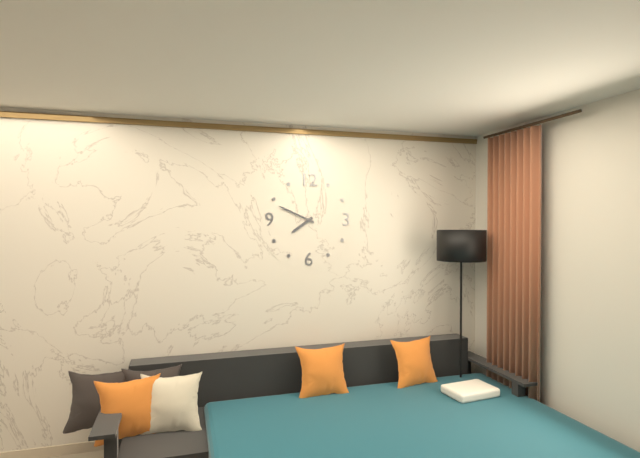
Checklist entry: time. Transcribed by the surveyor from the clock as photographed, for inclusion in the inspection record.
7:49
